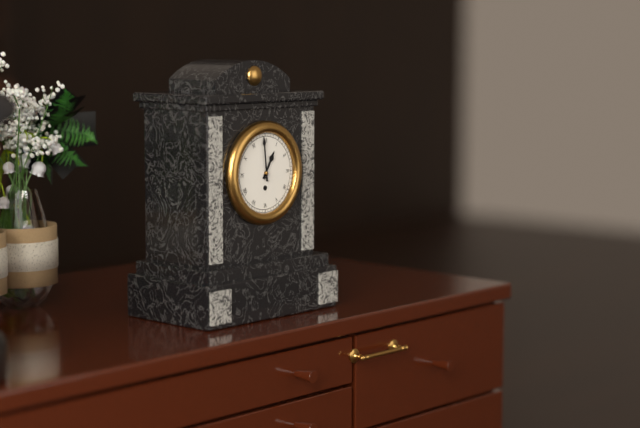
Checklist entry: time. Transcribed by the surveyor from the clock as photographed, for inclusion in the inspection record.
12:59
